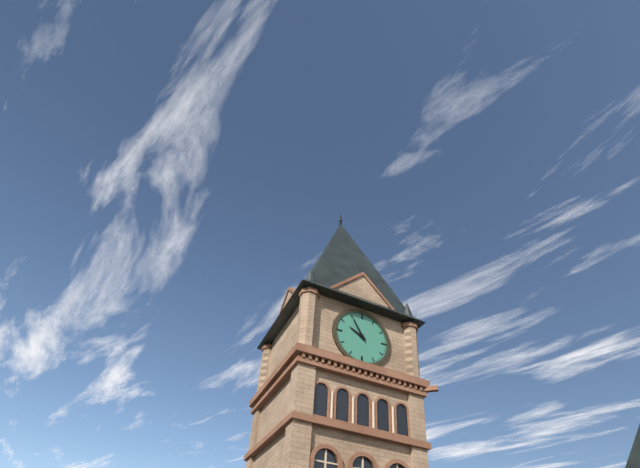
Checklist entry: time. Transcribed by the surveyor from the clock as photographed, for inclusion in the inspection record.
9:55
